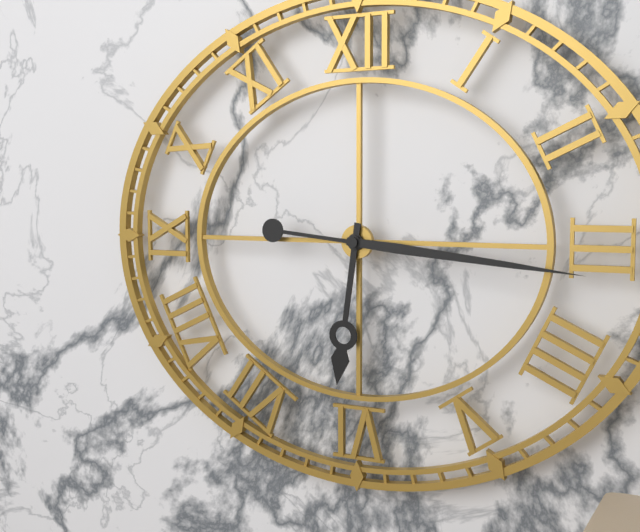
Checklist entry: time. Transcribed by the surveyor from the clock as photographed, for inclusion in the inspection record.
6:16
